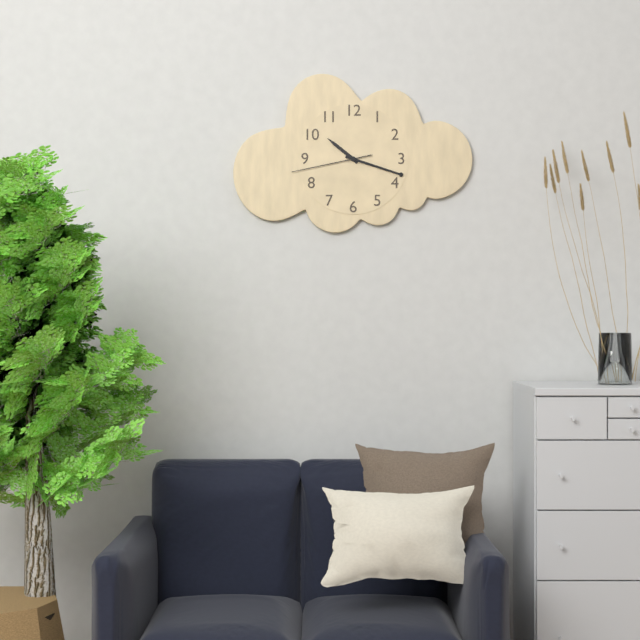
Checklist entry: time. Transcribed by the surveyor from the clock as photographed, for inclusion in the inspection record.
10:18:43
